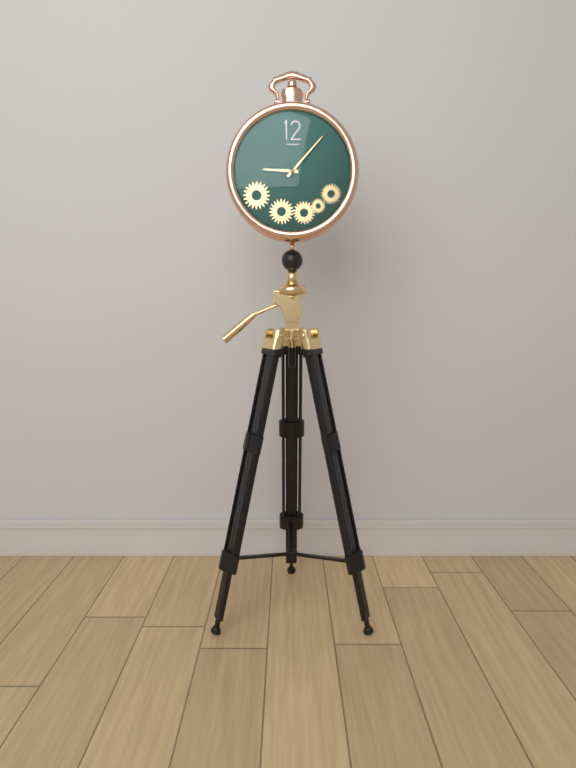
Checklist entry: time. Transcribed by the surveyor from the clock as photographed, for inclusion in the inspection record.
9:07
